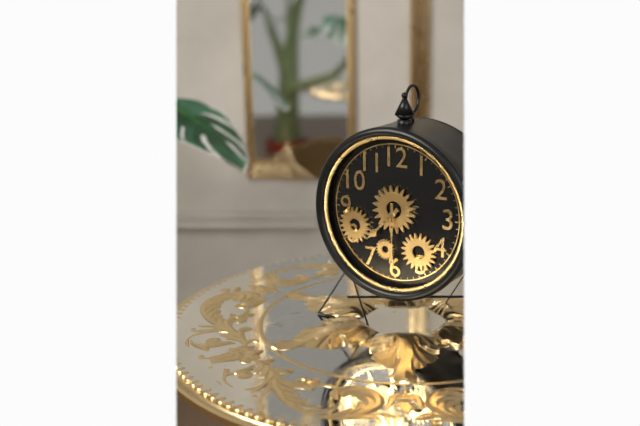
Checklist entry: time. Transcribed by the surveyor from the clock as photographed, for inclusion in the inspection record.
7:30
